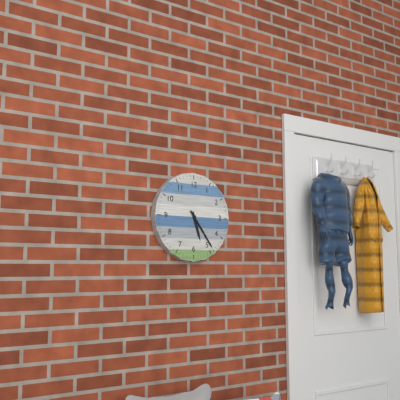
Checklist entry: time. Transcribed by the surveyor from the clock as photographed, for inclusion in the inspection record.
5:24
